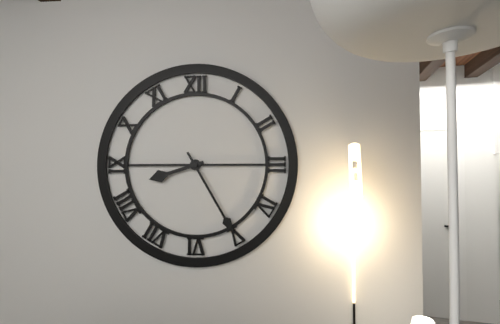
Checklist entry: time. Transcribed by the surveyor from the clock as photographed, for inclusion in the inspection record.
8:25
